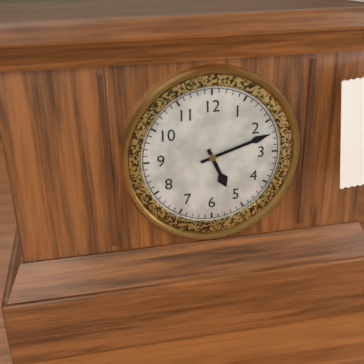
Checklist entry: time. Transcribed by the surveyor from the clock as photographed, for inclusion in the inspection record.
5:12
